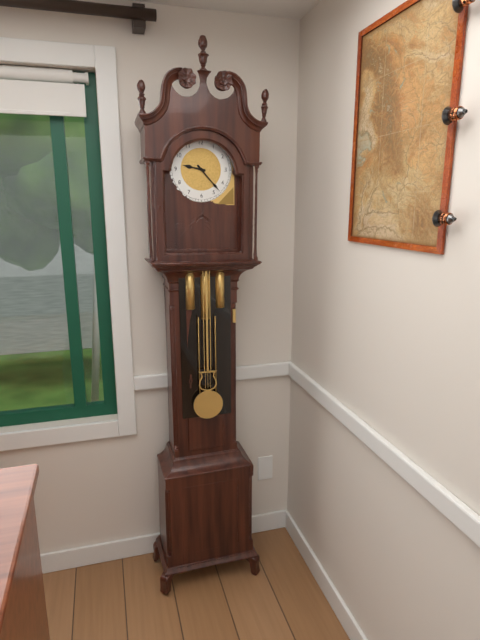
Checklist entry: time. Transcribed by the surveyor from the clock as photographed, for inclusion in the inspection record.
9:23
